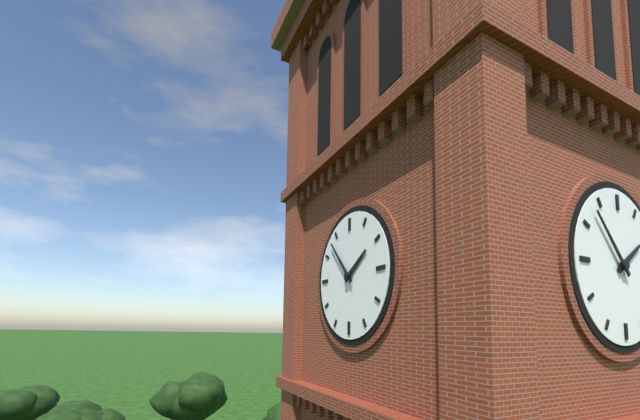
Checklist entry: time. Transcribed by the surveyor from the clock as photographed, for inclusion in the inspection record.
1:53
